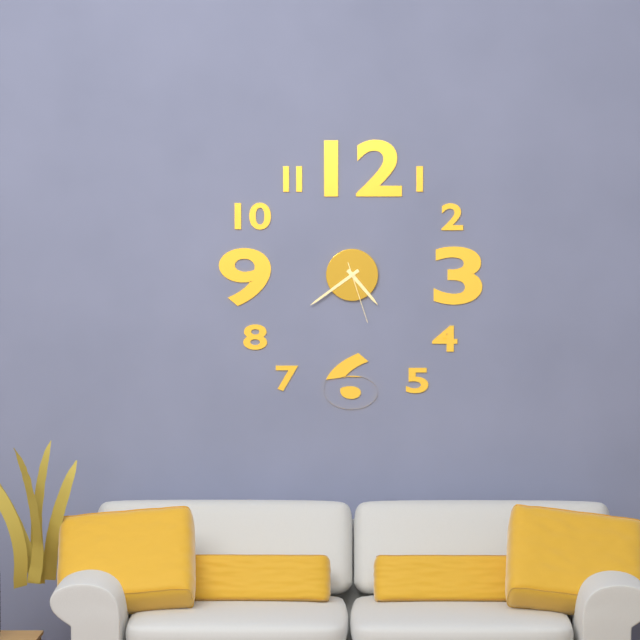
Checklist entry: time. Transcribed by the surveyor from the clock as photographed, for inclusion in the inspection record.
4:39:27
